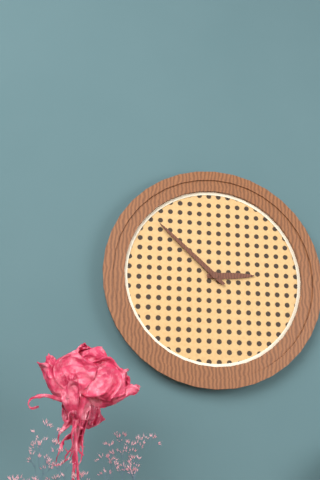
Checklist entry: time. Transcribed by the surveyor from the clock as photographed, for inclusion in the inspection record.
2:52
